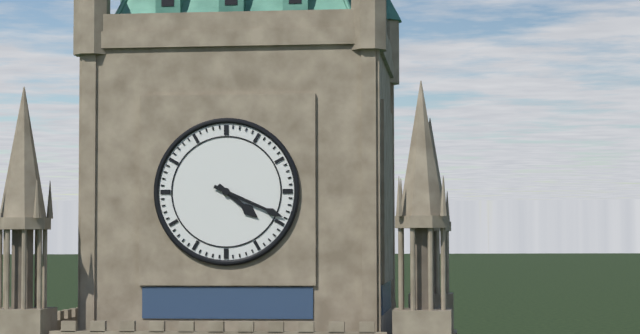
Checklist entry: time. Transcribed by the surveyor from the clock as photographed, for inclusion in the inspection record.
4:19
